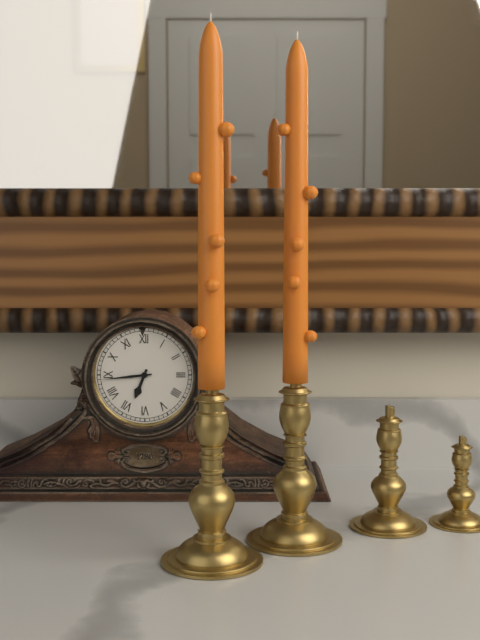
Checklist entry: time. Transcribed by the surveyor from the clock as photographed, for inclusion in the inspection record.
6:44
